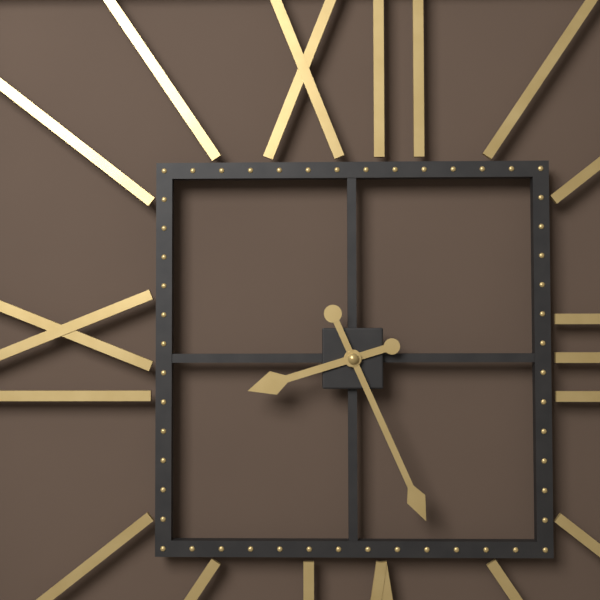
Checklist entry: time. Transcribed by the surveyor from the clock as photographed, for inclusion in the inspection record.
8:26
